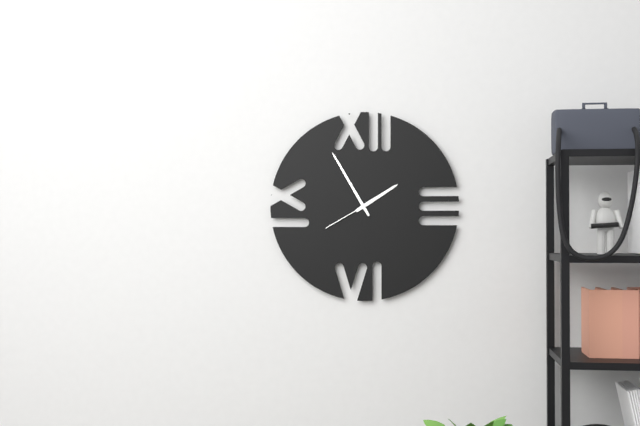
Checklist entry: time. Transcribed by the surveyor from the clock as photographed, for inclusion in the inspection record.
1:55:40
